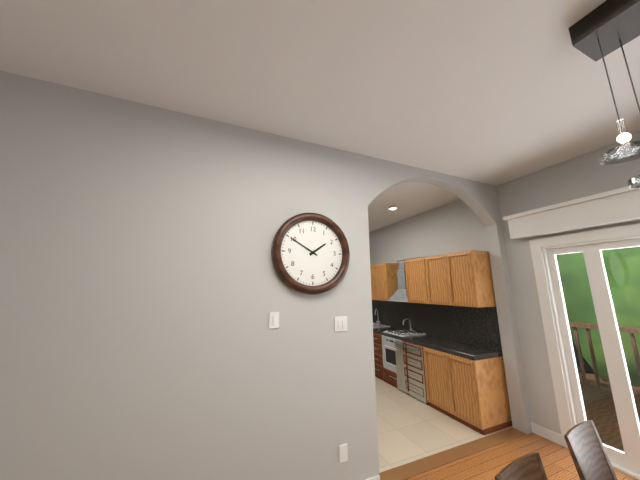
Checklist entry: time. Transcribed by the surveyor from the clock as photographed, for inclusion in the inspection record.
1:50
